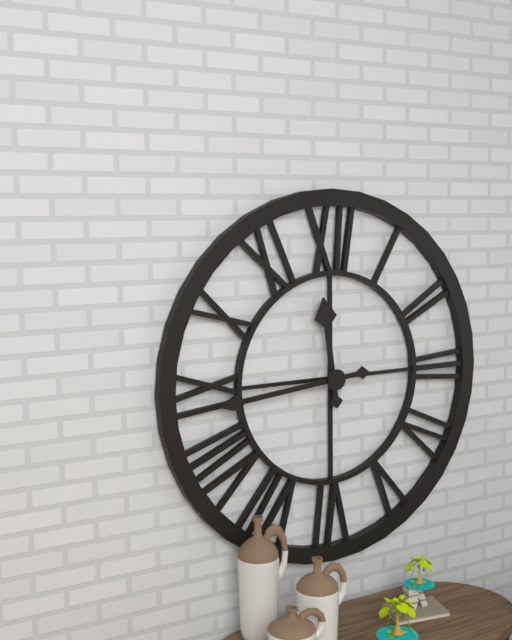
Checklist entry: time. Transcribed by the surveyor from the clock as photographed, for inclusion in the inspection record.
11:44
